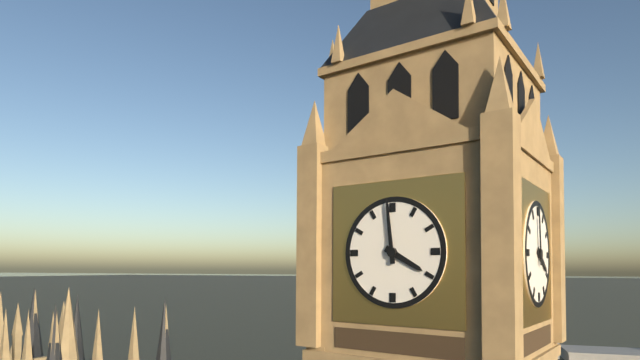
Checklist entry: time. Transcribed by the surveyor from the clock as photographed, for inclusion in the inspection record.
3:59
